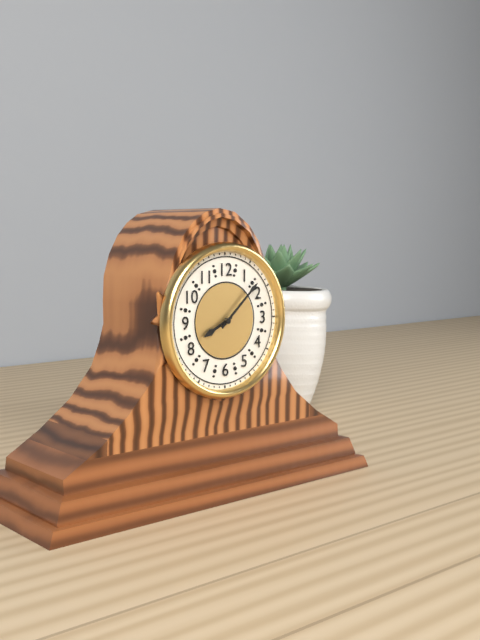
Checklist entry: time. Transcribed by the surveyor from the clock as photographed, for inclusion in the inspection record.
8:08
